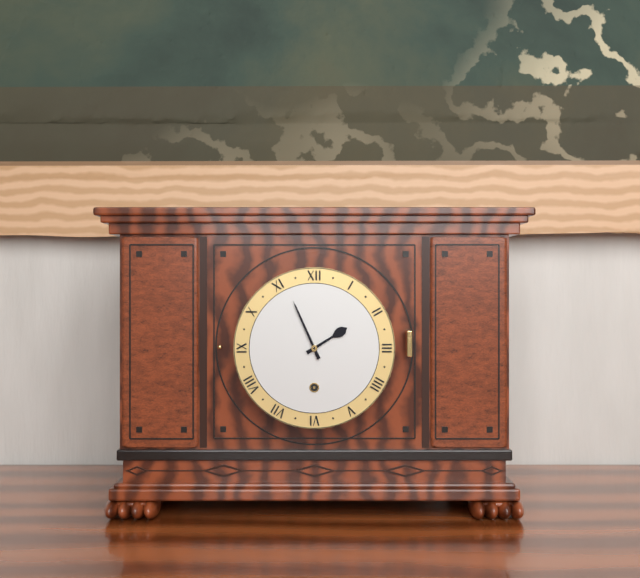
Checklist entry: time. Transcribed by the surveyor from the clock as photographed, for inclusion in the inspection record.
1:56
